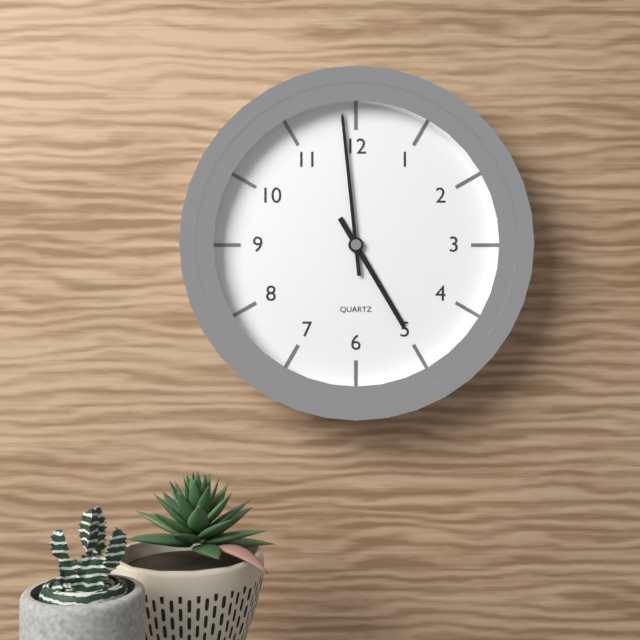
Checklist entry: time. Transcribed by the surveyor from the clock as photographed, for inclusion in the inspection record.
4:59
